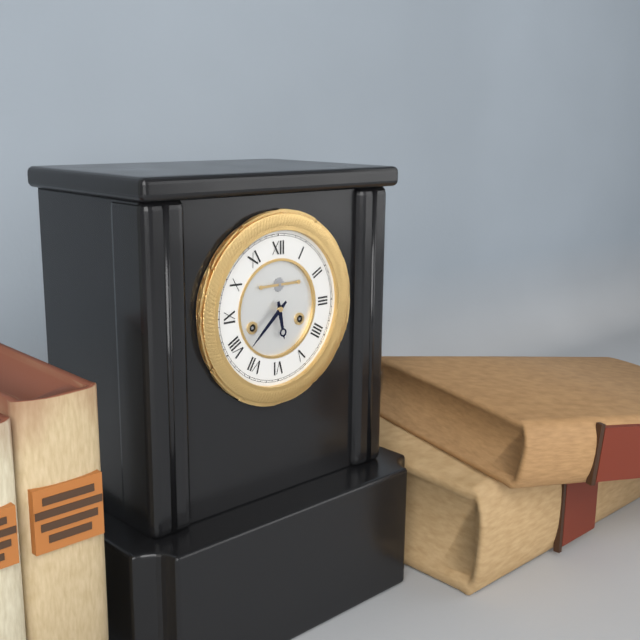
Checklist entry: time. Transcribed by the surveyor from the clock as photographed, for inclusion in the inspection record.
5:38
